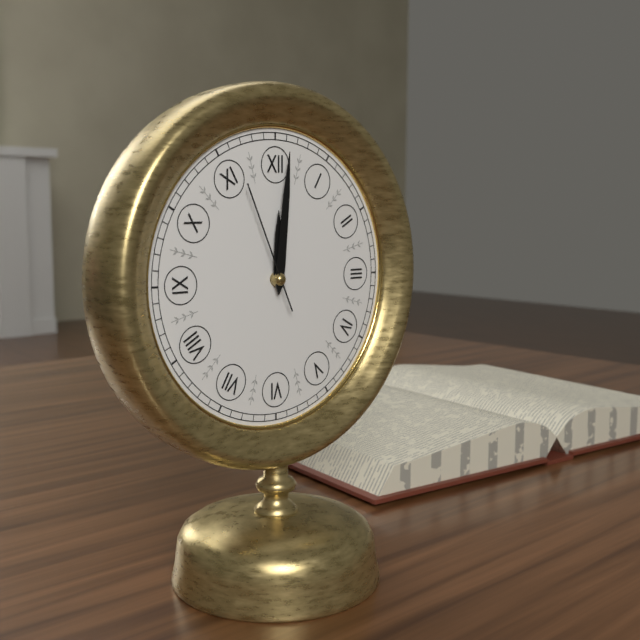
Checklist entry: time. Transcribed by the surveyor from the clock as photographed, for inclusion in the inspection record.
12:01:56
